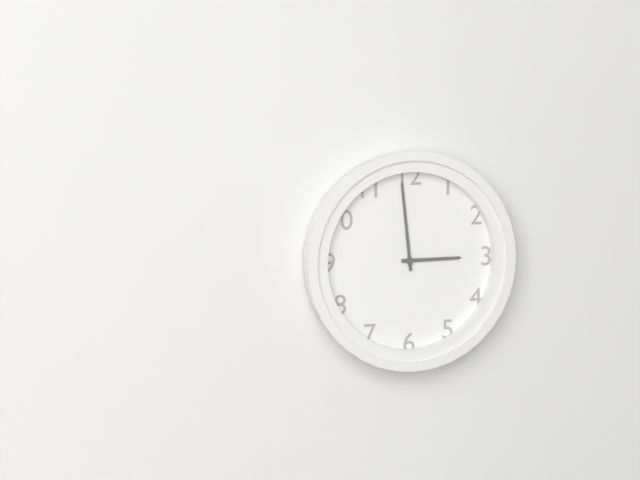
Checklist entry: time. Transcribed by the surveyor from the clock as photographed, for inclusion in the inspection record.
2:59
